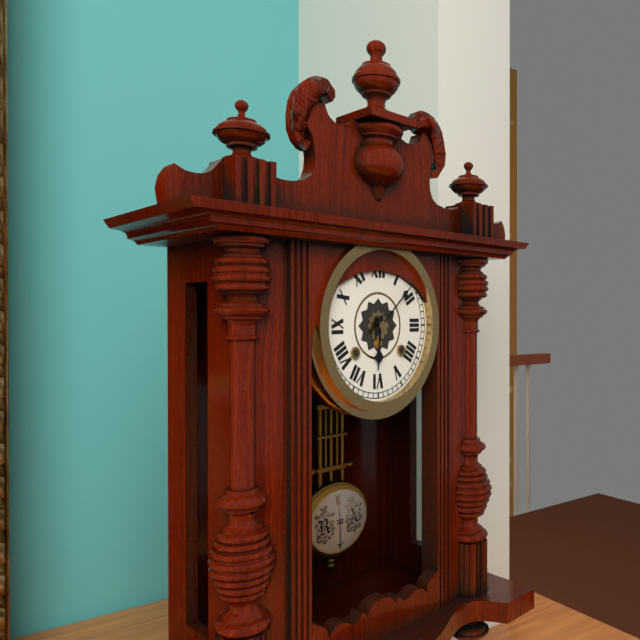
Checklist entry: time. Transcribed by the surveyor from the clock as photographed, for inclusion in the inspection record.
6:08
